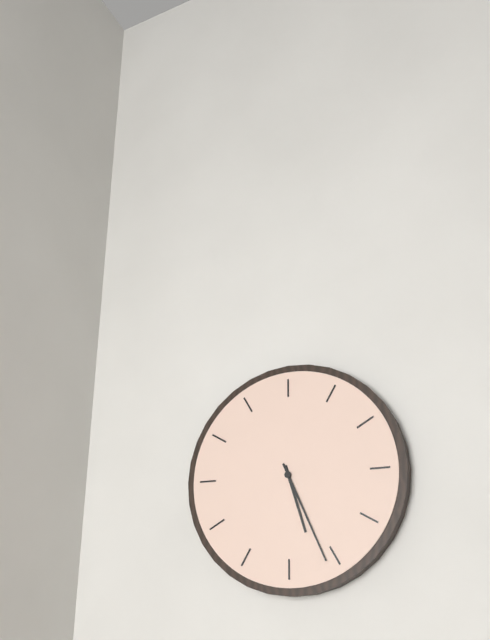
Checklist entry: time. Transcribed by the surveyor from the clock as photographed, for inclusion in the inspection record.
5:26
